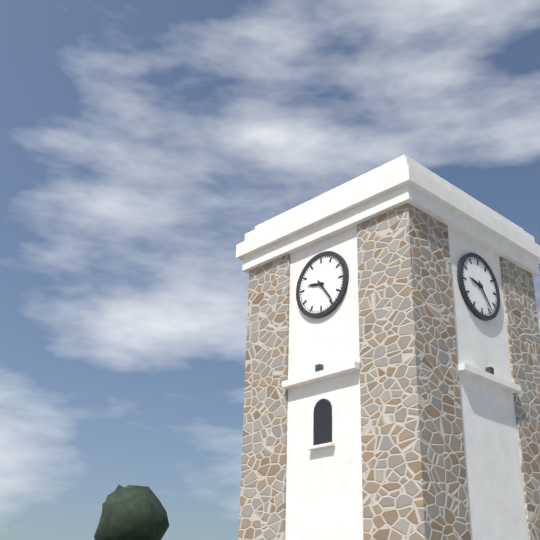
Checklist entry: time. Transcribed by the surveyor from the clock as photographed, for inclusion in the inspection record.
9:24
